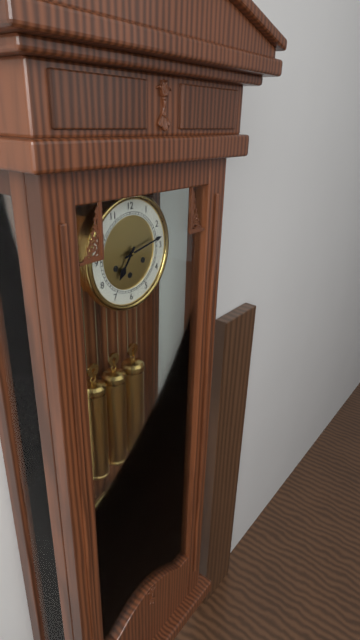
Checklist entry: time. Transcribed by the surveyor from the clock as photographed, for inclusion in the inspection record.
7:13
